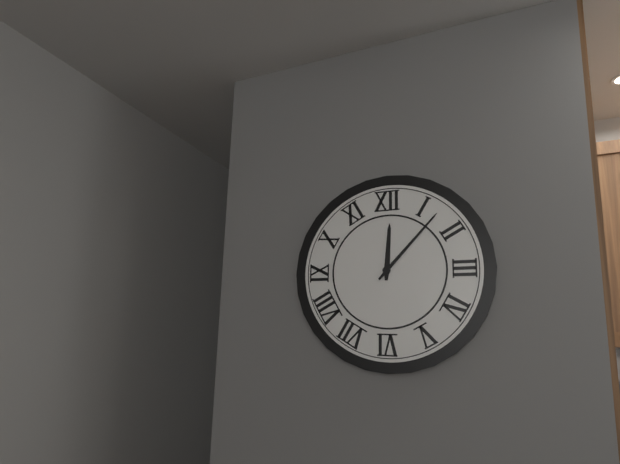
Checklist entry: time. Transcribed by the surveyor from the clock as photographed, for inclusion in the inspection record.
12:07
